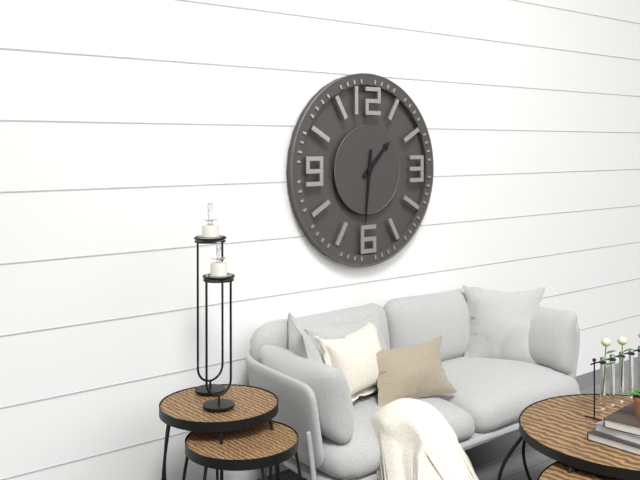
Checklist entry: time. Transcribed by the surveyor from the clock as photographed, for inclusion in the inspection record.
1:31
